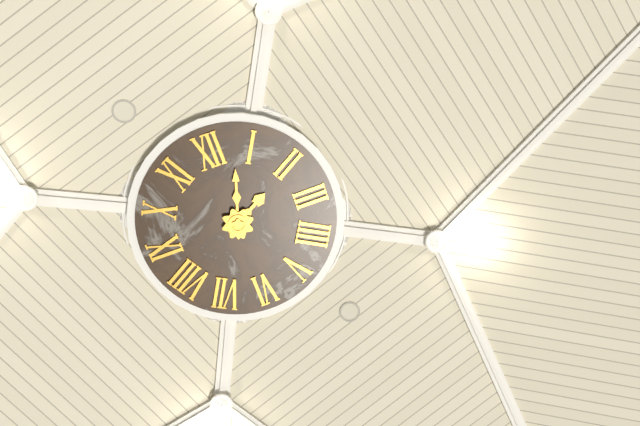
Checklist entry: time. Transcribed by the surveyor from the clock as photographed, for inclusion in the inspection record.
2:03
